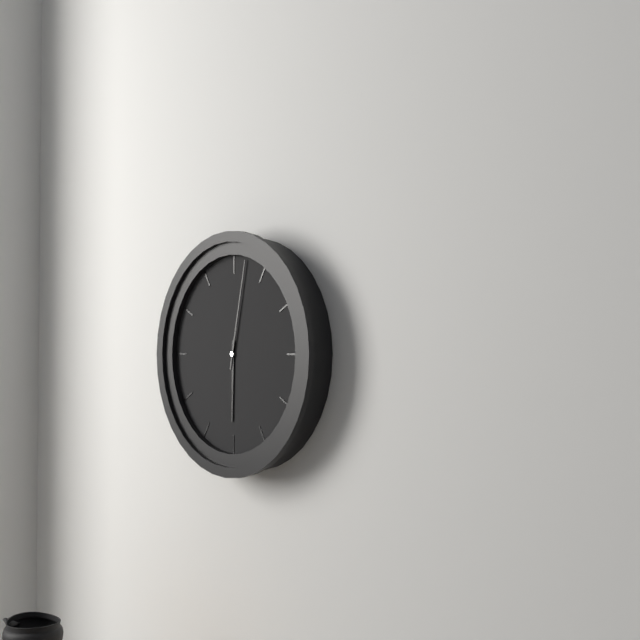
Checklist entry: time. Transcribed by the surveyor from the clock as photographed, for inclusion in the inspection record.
6:02
